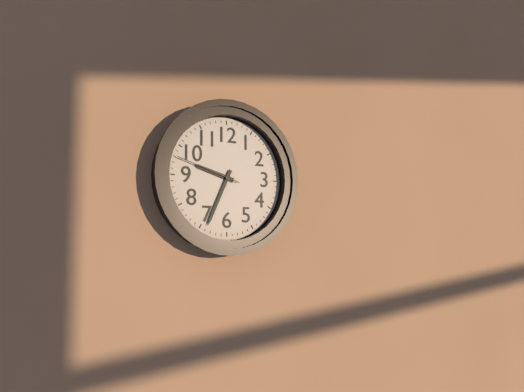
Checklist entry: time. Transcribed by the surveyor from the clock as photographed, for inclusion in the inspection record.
9:34:48
